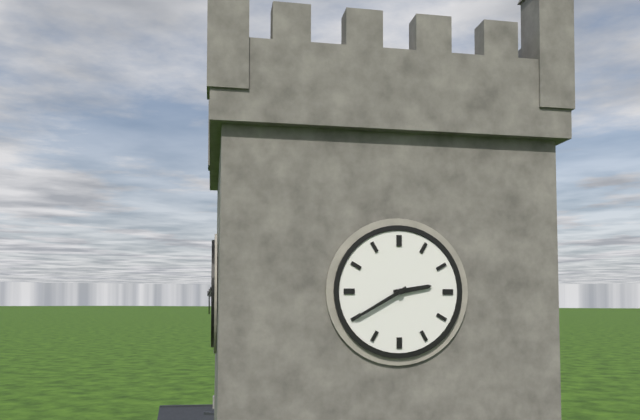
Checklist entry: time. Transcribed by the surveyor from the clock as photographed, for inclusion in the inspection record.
2:40
